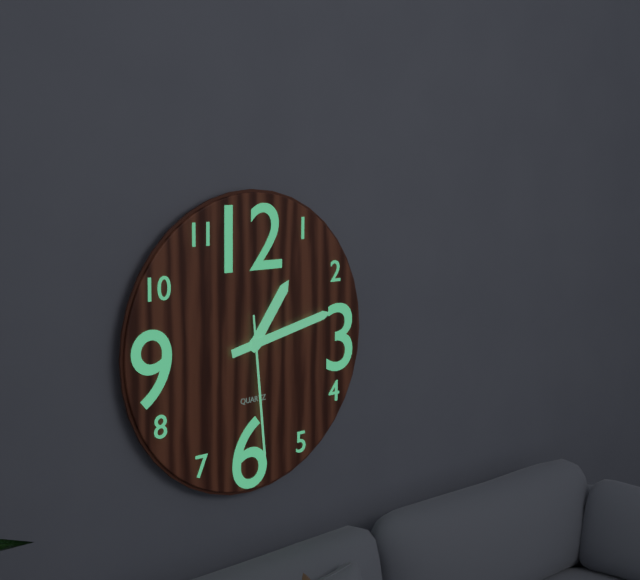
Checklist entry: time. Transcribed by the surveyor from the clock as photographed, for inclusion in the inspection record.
1:13:29
